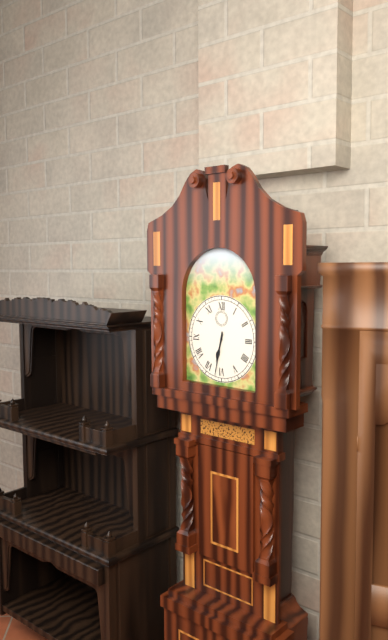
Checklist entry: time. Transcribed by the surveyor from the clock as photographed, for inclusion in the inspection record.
6:32
